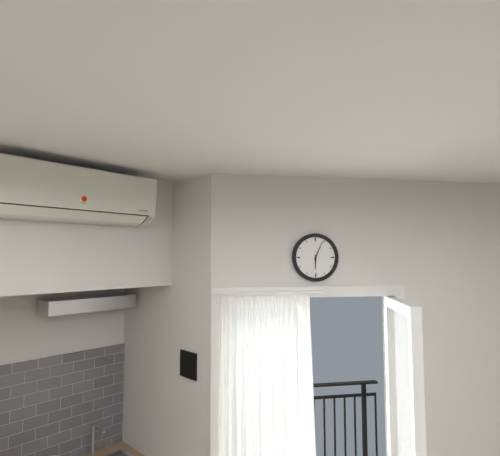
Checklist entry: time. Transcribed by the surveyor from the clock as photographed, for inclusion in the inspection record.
6:04
